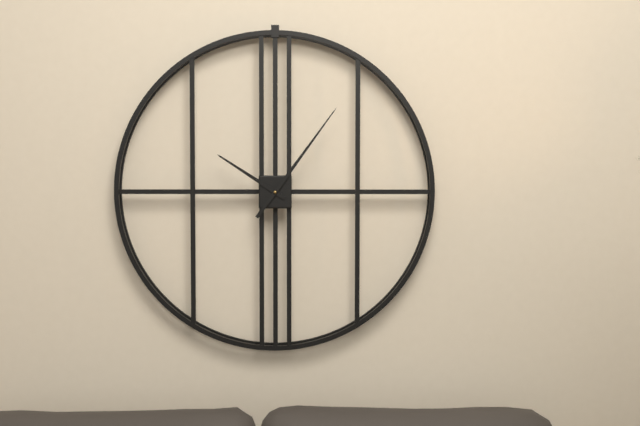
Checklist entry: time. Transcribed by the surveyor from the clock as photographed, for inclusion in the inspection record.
10:06
